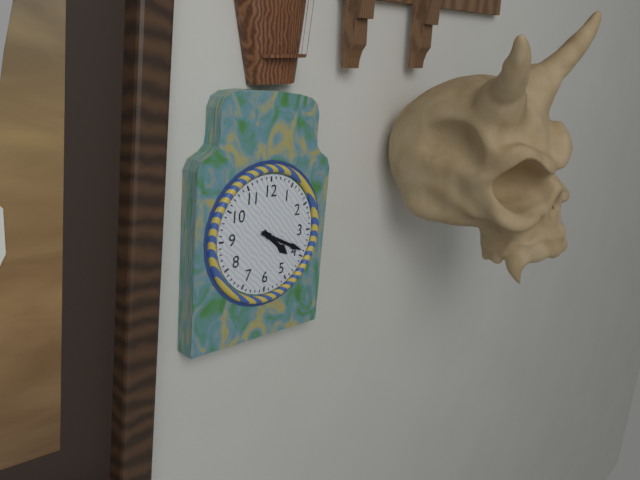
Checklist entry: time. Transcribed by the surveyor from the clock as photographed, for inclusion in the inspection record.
4:19
